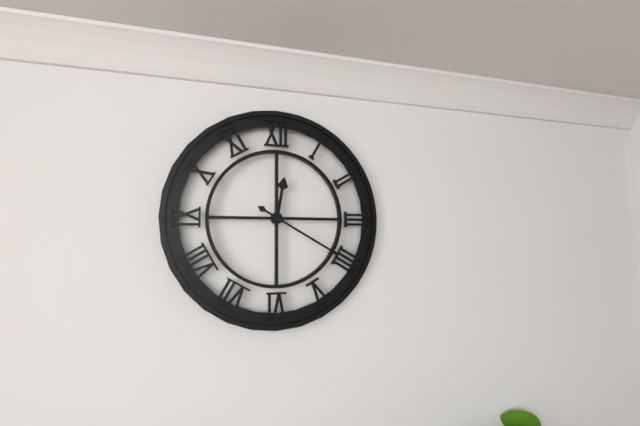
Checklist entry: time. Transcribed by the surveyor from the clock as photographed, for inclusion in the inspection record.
12:20
